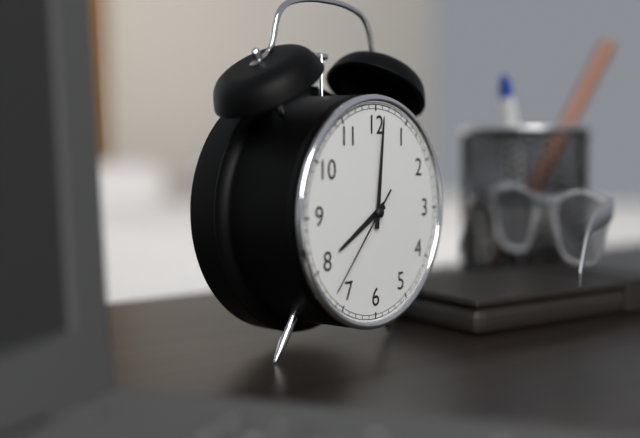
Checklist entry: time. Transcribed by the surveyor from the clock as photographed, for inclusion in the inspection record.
8:01:37
